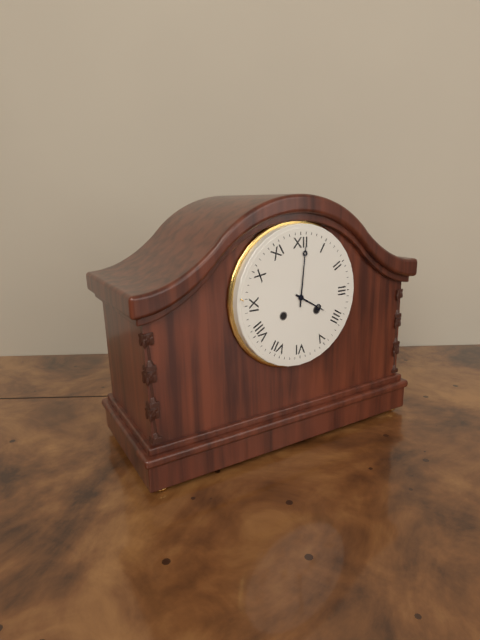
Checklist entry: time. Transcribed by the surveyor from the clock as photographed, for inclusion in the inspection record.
4:01
